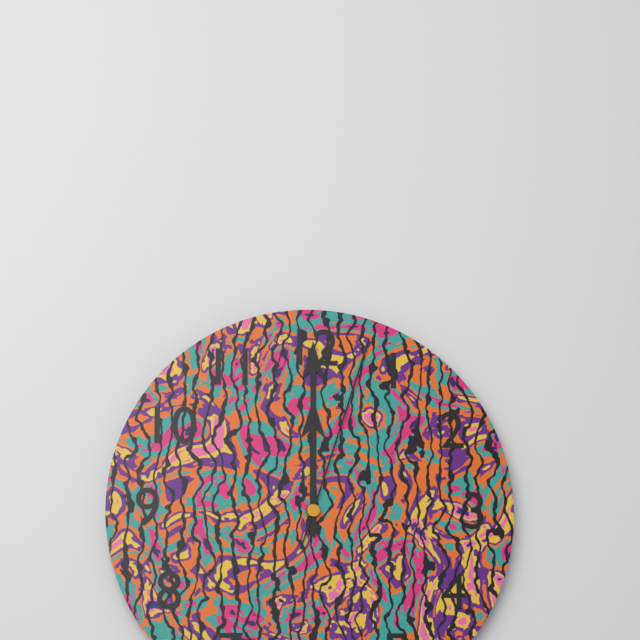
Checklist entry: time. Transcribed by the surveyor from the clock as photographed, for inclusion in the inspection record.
12:00:03
